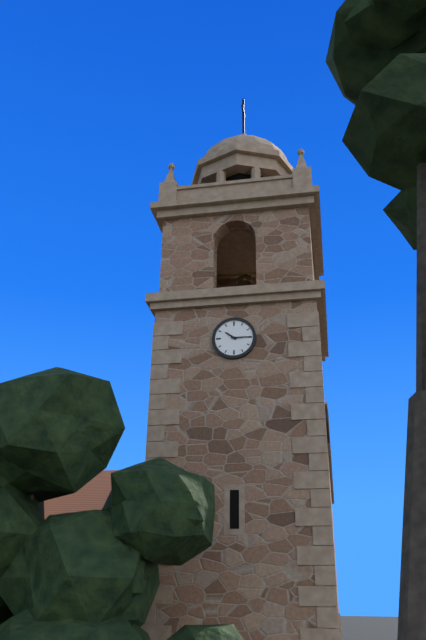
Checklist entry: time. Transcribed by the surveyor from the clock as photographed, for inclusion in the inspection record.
10:15
